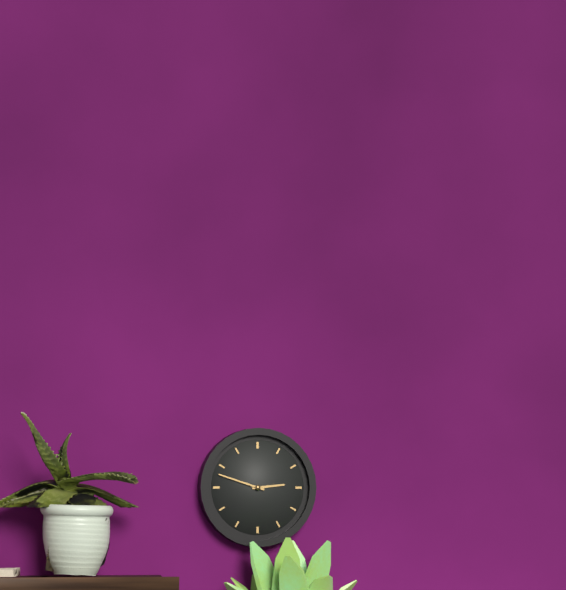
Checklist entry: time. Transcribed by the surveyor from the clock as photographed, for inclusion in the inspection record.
2:48
